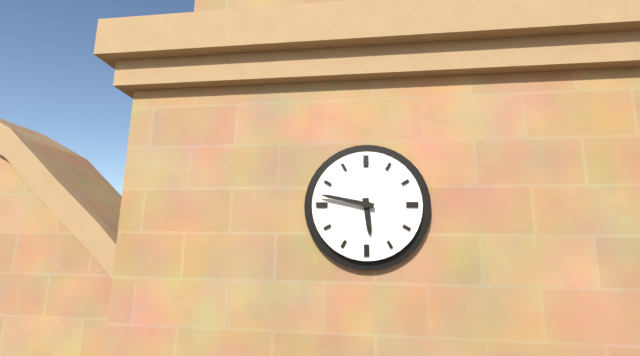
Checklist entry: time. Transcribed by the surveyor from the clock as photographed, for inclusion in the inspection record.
5:47
